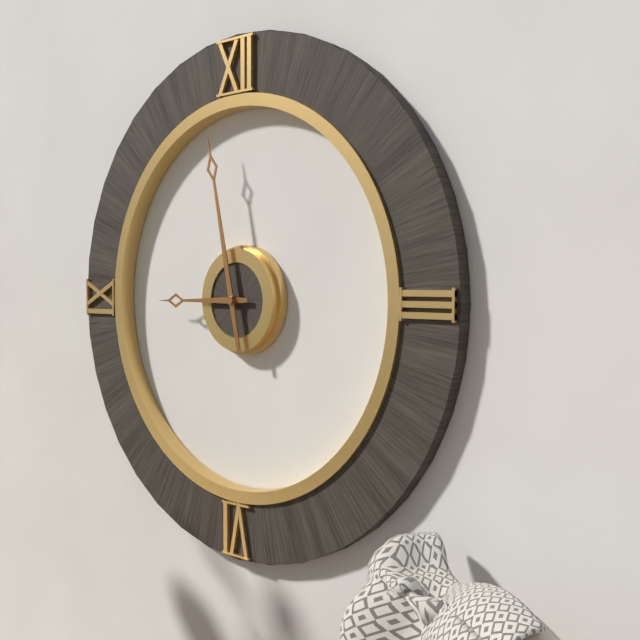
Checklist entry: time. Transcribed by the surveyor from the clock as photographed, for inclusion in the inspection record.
8:58
